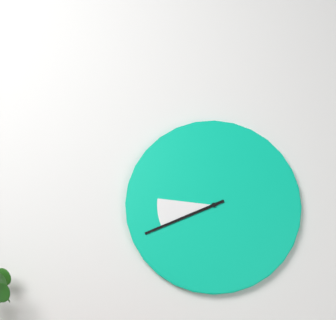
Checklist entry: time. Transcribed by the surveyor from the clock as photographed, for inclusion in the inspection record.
8:41
